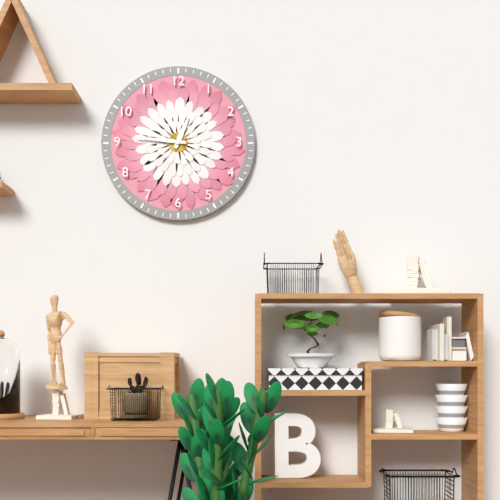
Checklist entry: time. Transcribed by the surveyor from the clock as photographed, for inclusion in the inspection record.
12:46
